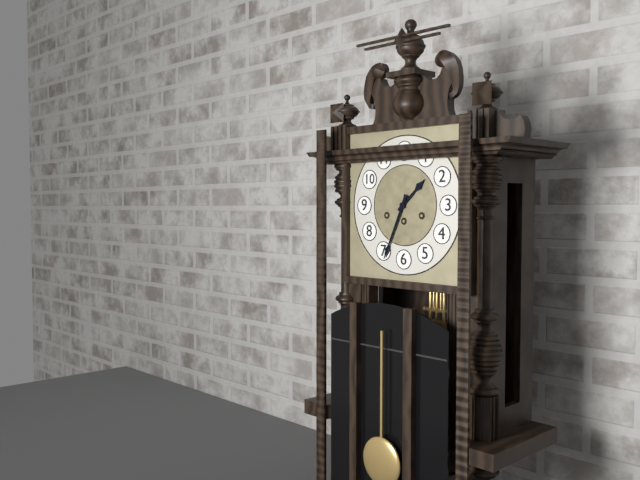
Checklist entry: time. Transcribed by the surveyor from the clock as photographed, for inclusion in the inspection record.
1:34
